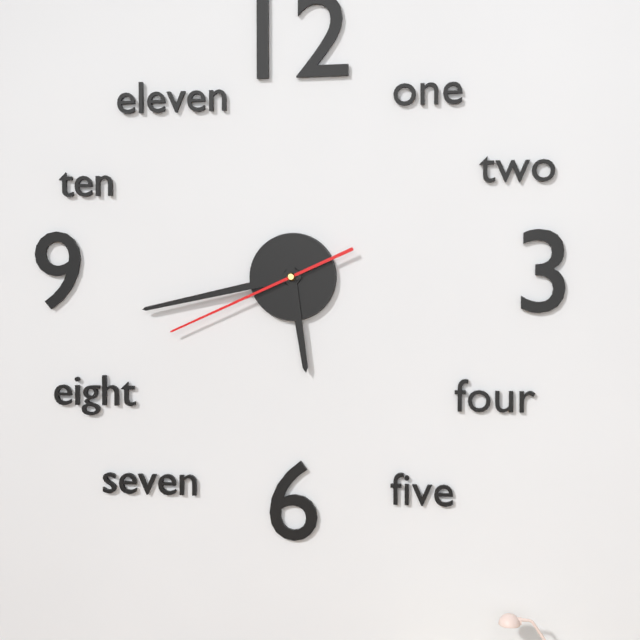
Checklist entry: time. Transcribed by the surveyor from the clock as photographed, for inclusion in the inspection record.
5:43:41
